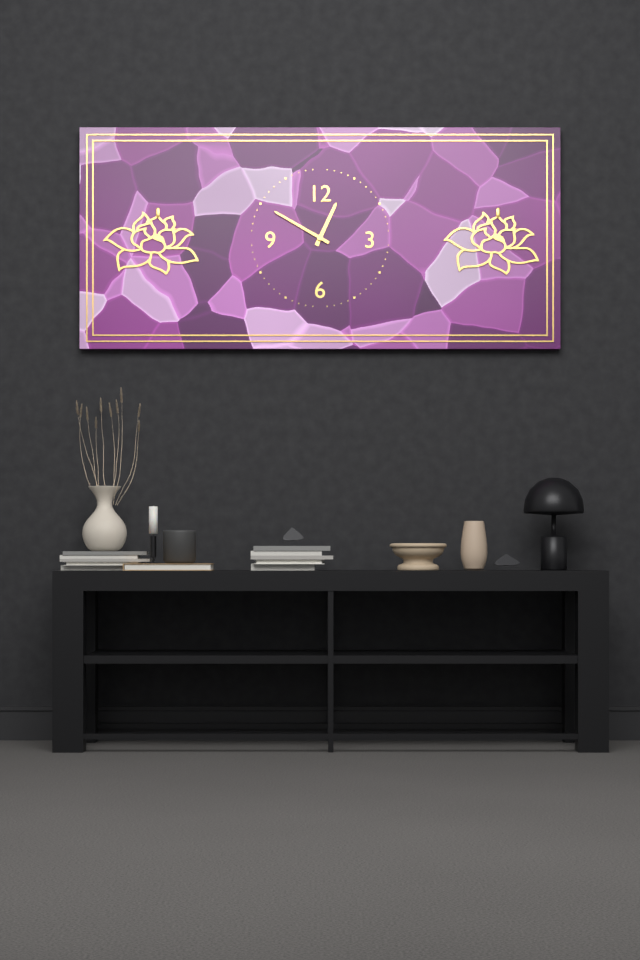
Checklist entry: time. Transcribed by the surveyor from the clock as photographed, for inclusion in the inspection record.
12:50
